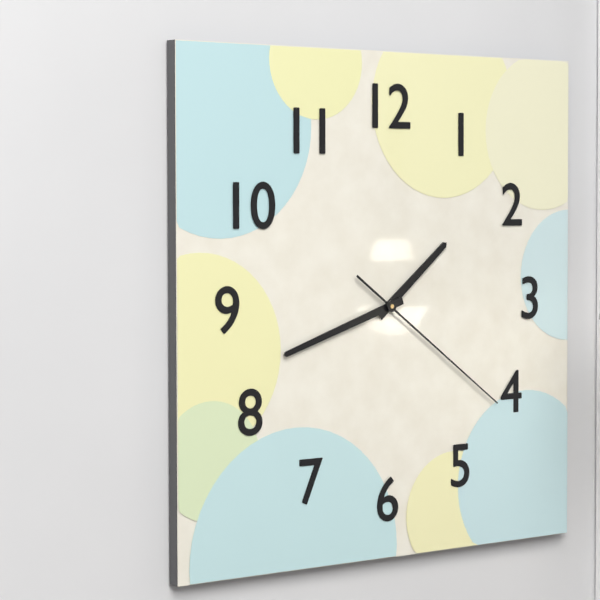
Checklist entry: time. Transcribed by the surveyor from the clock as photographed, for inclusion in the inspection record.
1:42:21
